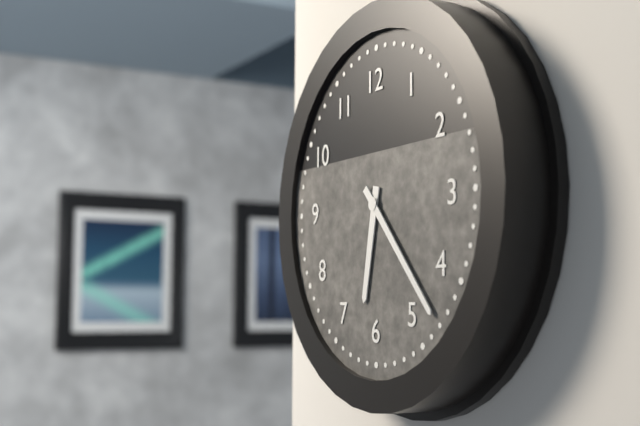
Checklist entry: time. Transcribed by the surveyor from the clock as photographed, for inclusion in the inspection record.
6:23
